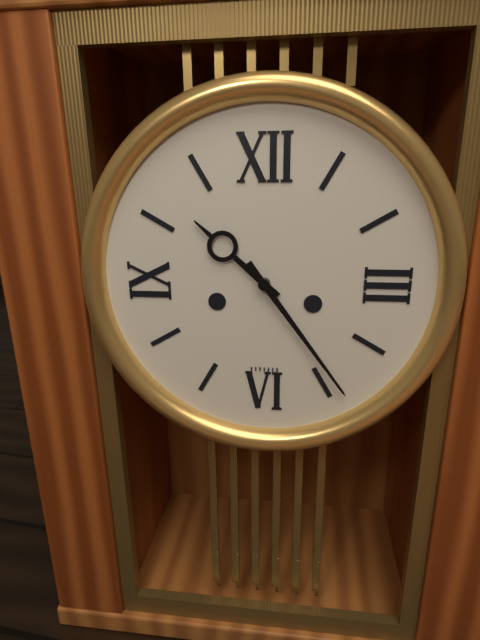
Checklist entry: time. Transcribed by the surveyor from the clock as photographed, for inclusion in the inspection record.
10:24
